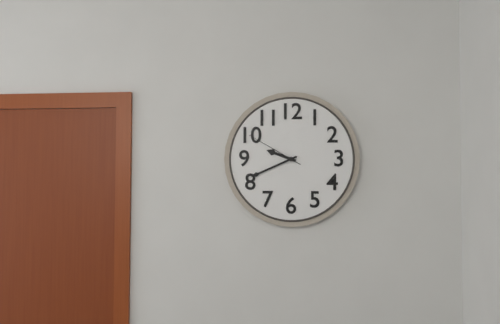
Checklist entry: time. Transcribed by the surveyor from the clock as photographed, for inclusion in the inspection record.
9:41:50
